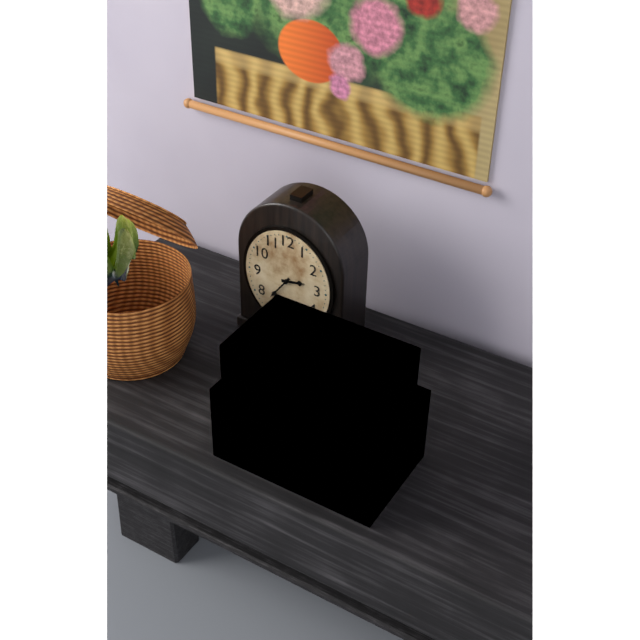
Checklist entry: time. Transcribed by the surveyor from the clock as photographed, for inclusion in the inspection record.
2:36
